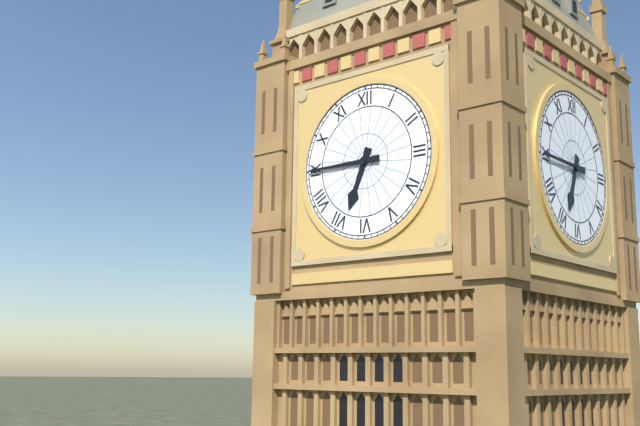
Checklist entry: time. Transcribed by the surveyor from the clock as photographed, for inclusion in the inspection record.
6:45
